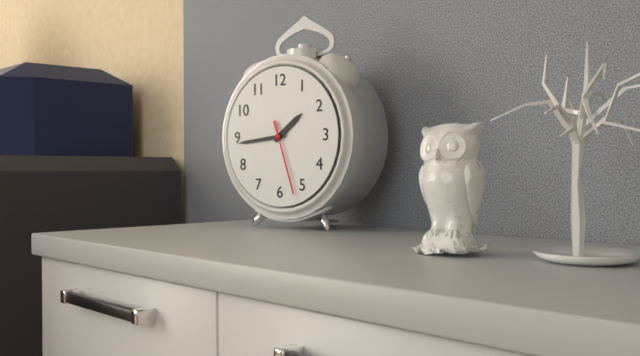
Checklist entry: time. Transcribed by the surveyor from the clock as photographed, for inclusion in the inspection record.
1:44:27
